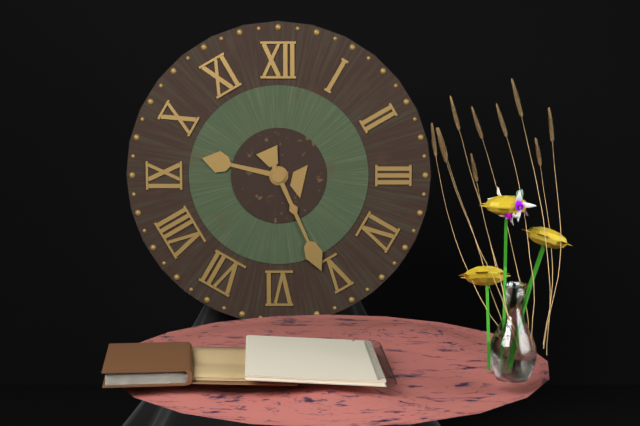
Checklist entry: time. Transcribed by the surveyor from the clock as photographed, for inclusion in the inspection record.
9:26
